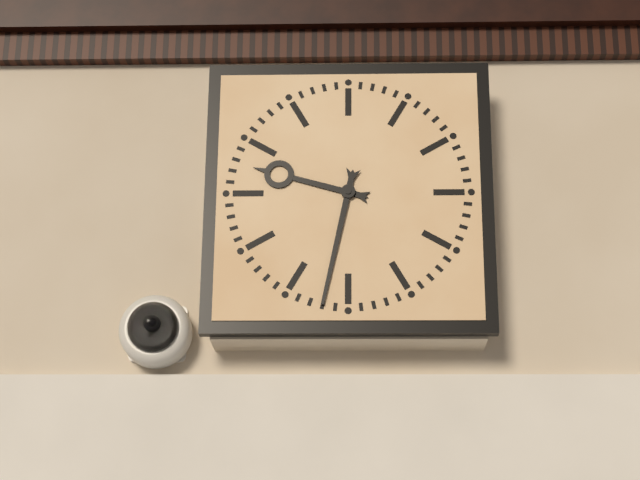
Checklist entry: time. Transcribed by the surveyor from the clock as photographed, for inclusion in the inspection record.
9:32
